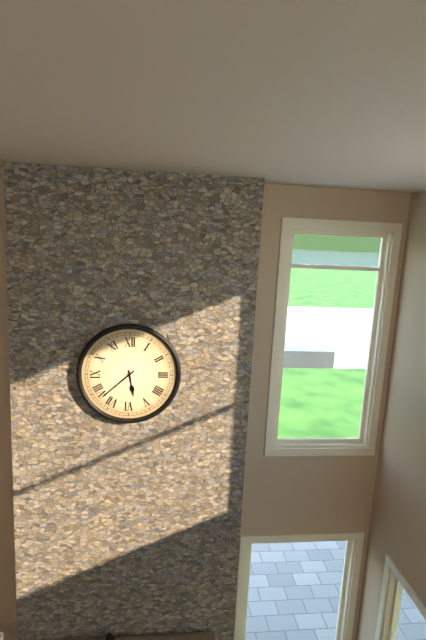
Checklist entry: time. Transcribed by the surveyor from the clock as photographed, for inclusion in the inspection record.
5:38
